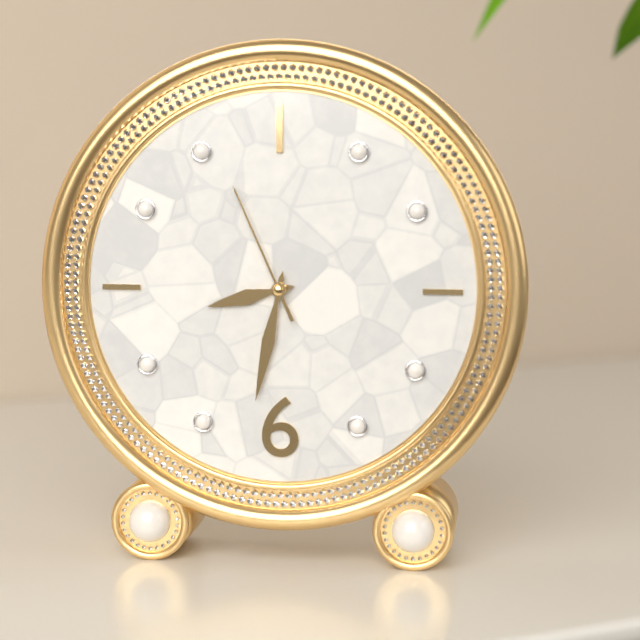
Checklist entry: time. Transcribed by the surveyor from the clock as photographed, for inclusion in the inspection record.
8:32:56
